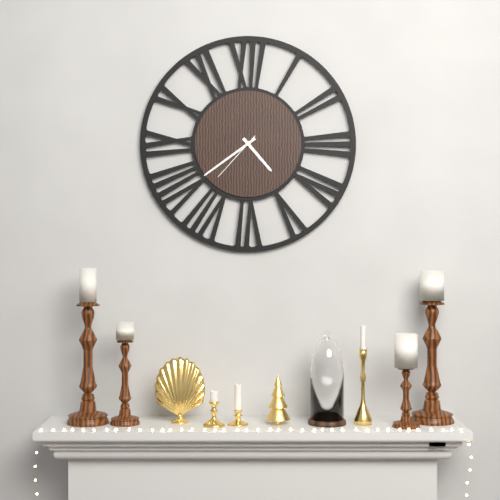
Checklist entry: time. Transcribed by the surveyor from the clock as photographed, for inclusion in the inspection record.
4:39:37
